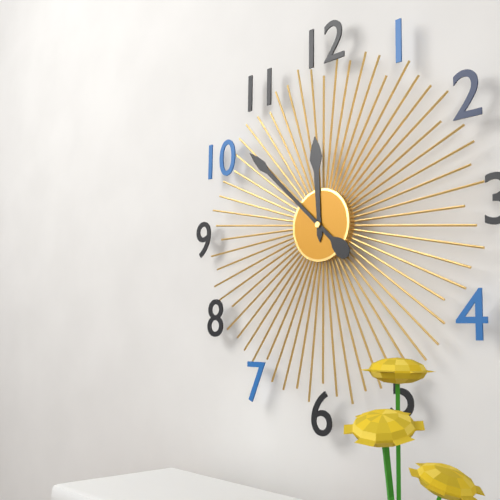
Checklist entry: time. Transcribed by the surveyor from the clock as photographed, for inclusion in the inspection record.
11:52
